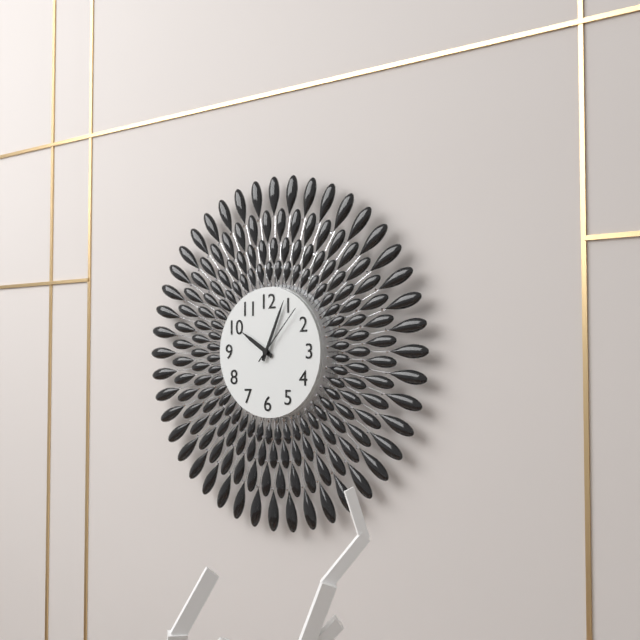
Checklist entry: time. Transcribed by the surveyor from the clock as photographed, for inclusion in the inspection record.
10:04:07
